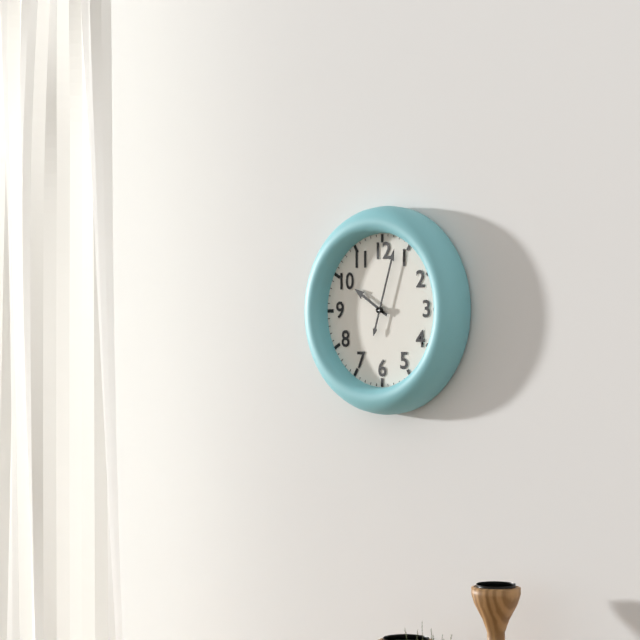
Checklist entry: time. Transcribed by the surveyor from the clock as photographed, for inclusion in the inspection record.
10:03
